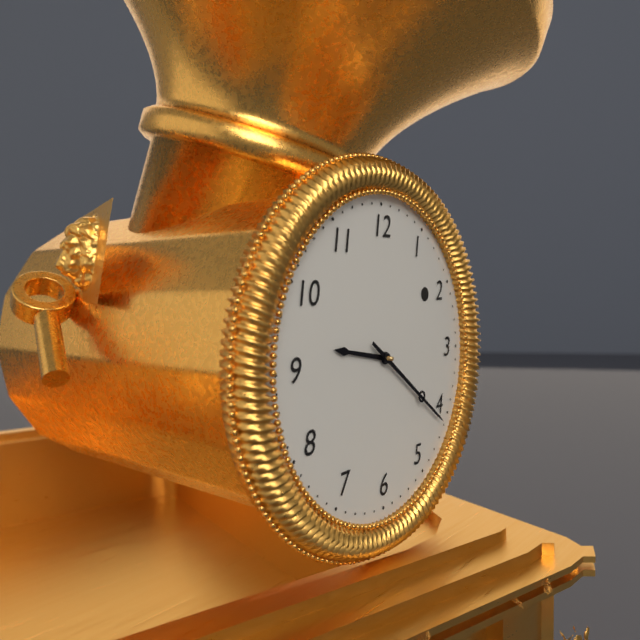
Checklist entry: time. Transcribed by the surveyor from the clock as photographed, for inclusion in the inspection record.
9:21
